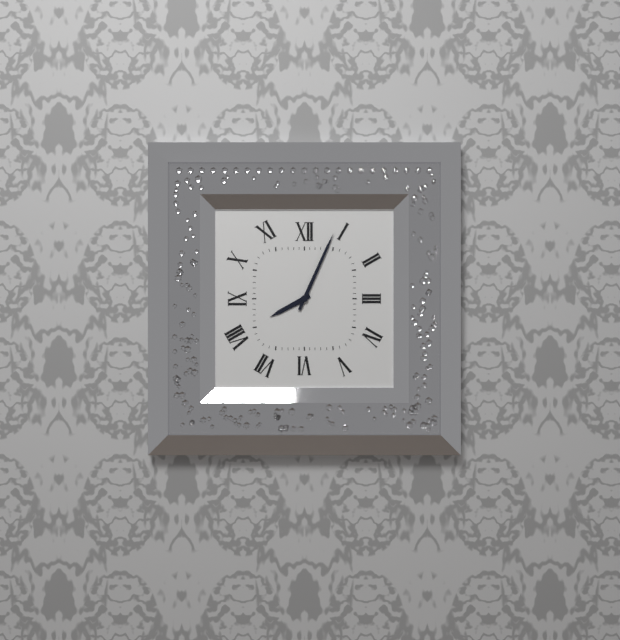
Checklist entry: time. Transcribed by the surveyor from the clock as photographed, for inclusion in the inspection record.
8:04
